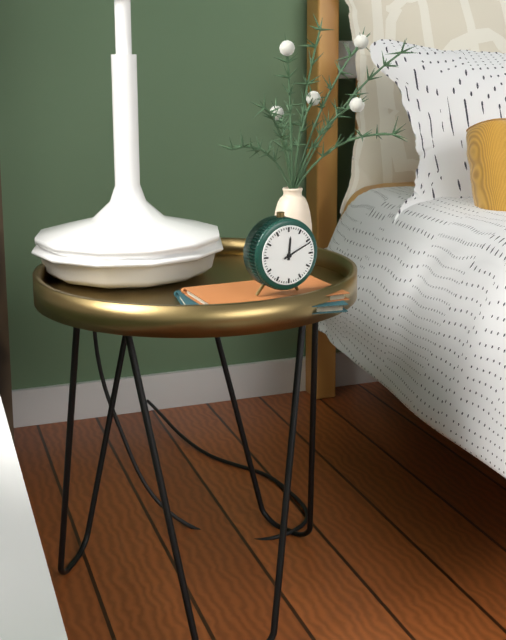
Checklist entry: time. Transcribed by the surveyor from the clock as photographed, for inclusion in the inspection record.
12:11
